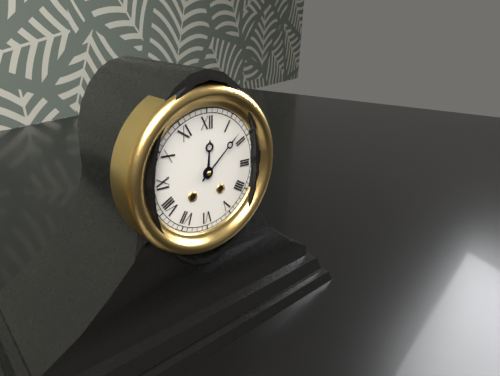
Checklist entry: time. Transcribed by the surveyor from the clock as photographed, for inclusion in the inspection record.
12:08
